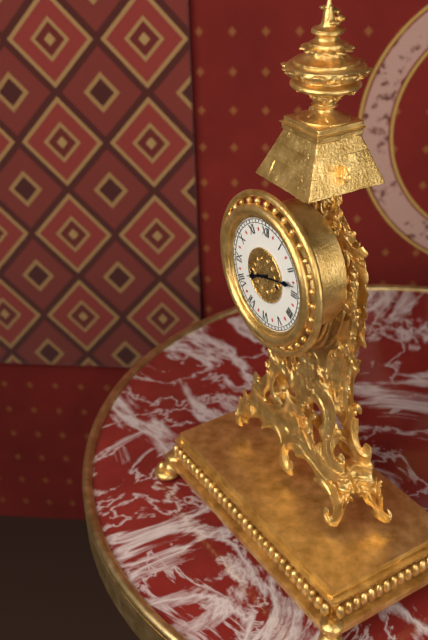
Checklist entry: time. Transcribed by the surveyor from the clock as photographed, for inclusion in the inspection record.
8:13
